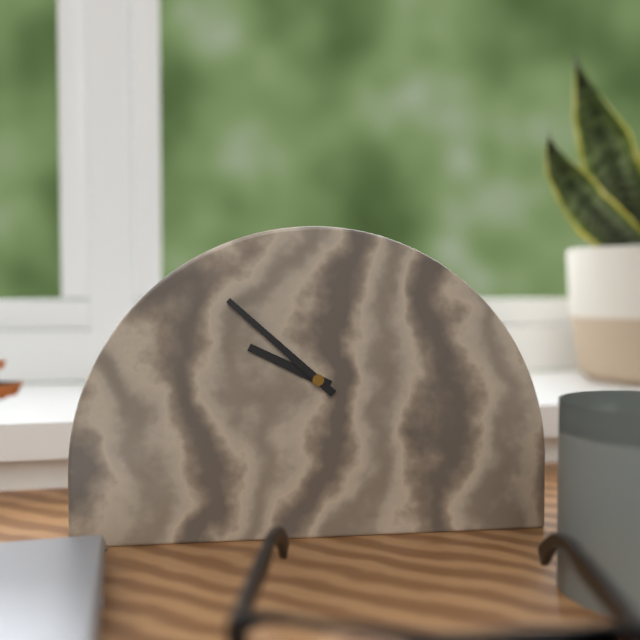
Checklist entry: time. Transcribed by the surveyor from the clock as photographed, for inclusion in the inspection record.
9:52
